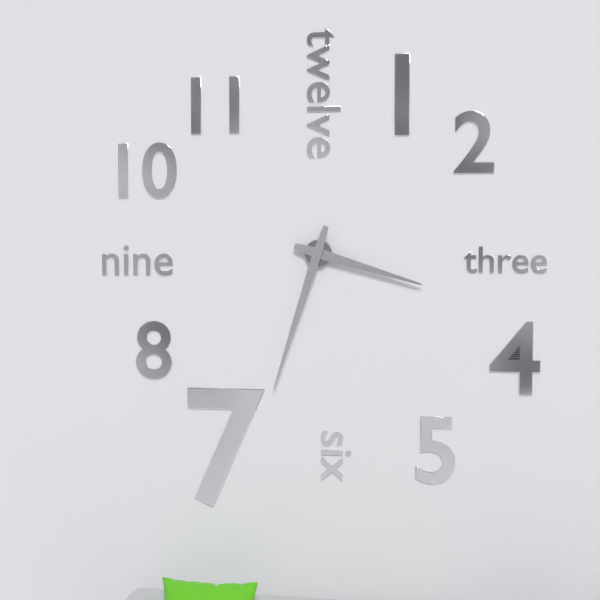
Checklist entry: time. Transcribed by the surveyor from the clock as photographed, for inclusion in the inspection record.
3:33
